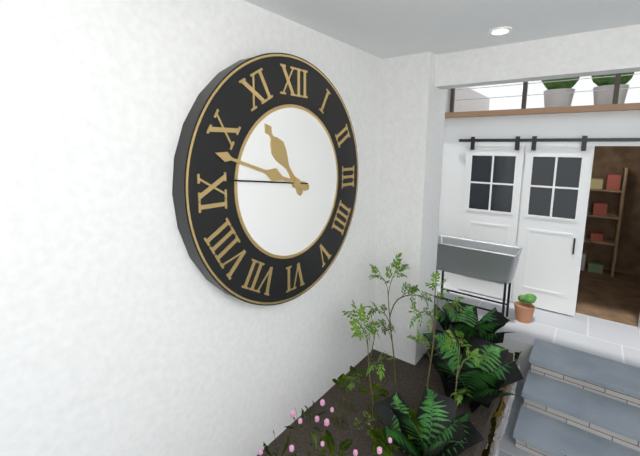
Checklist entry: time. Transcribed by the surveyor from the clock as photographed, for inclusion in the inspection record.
10:48:46
